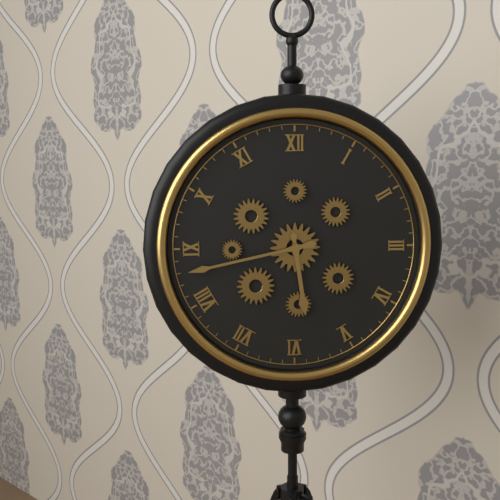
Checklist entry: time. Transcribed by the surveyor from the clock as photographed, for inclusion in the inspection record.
5:43
